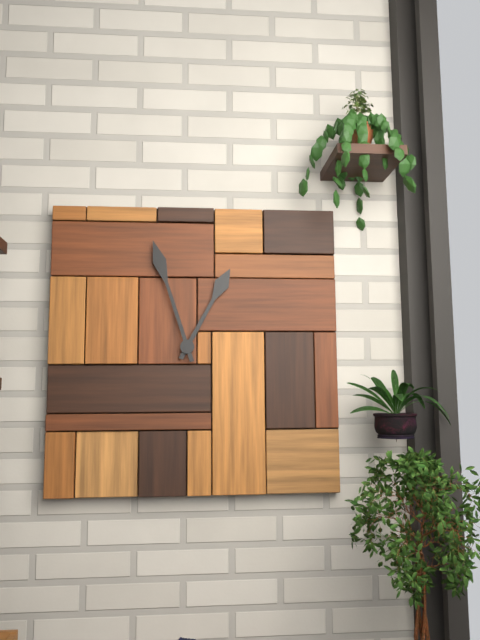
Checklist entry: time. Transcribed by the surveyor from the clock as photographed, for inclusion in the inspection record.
12:57
